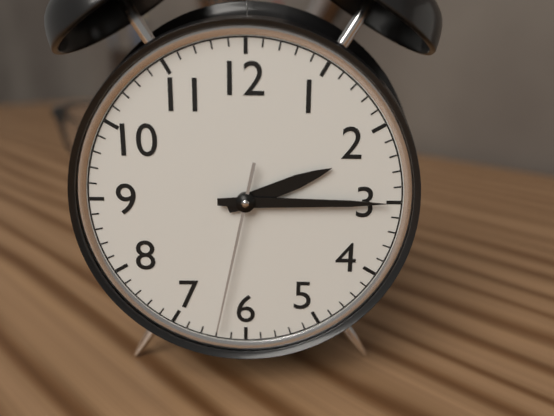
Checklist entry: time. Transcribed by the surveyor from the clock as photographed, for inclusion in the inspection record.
2:15:32
